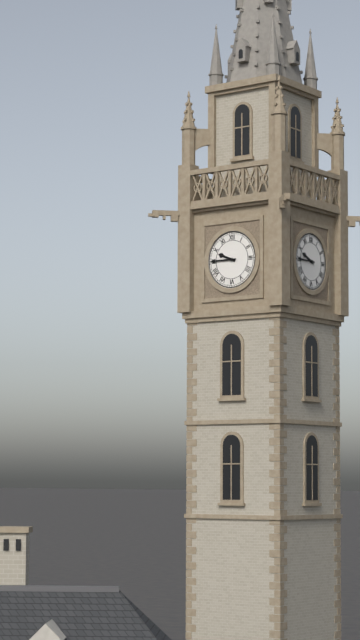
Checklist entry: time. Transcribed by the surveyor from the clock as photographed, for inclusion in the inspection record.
9:45
